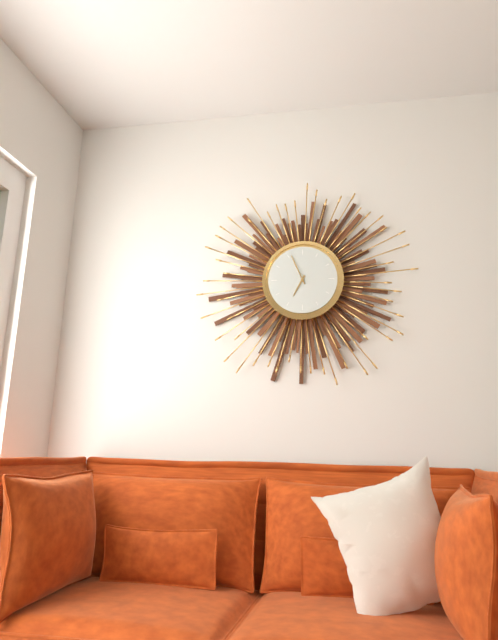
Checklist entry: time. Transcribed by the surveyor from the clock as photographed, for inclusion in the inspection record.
6:56
